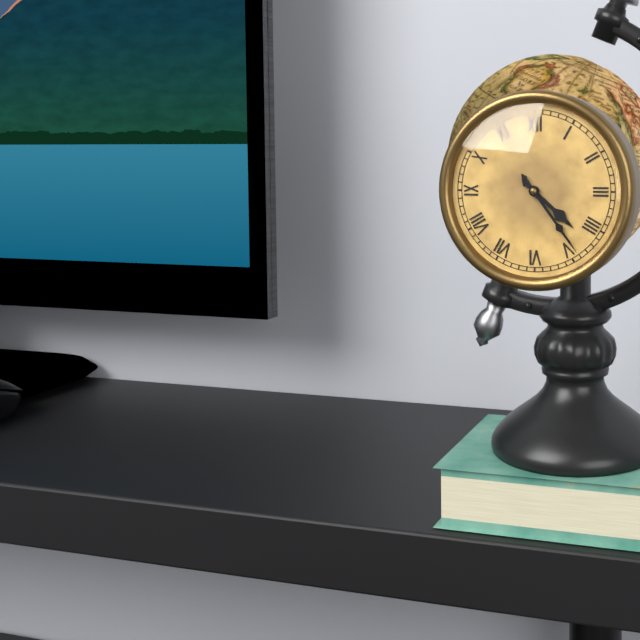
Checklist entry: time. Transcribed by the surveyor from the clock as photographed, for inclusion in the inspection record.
4:24
